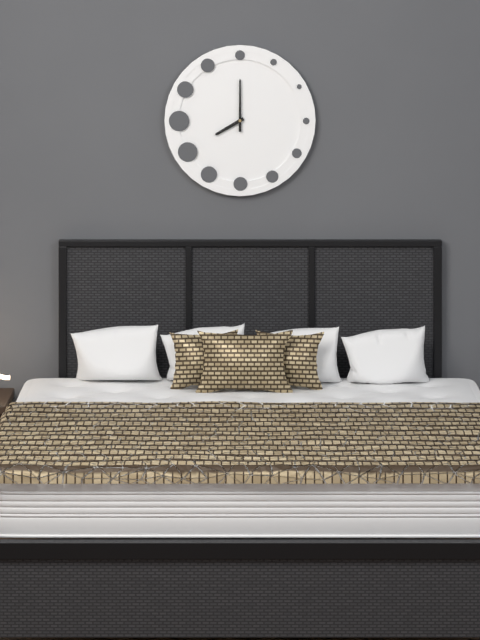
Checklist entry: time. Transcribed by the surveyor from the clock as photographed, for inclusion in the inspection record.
8:00
